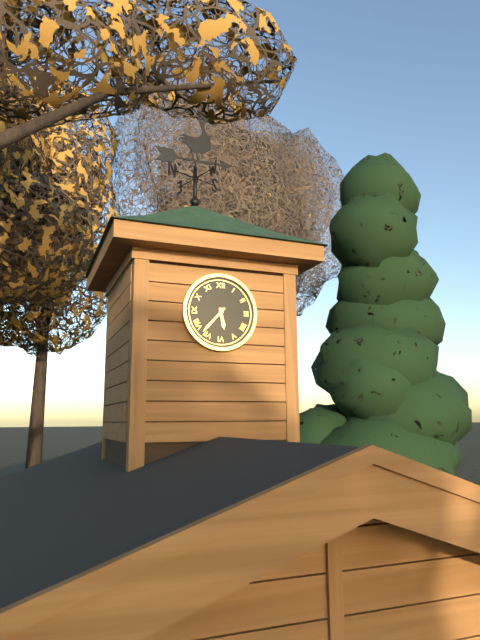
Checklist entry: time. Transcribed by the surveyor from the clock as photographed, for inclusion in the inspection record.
5:37
